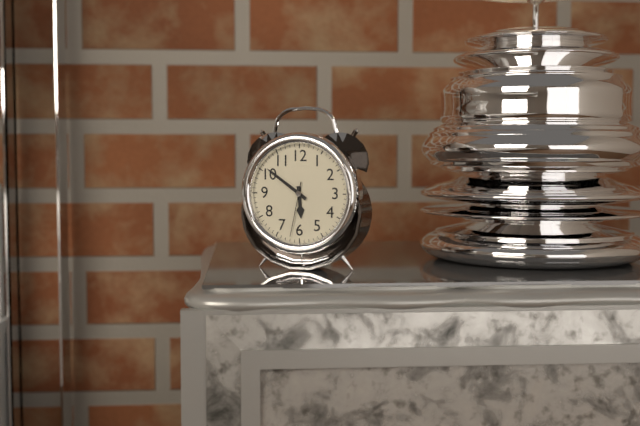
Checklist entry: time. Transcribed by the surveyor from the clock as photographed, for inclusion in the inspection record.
5:51:32
